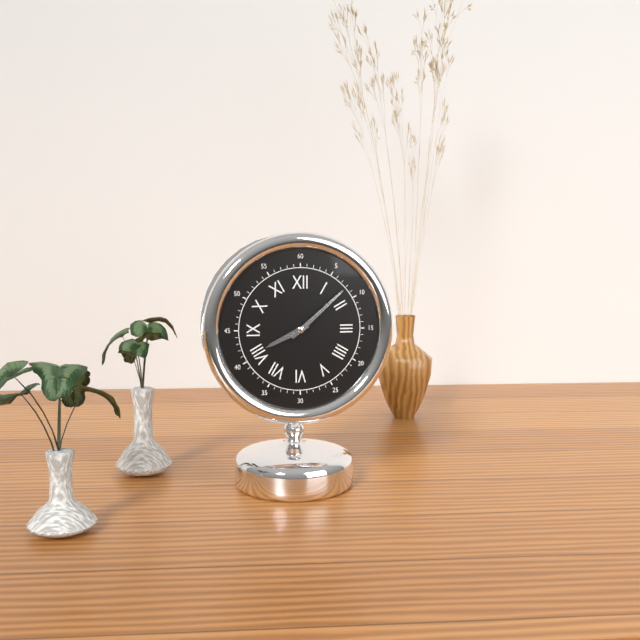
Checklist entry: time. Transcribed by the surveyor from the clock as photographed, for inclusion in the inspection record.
8:08
